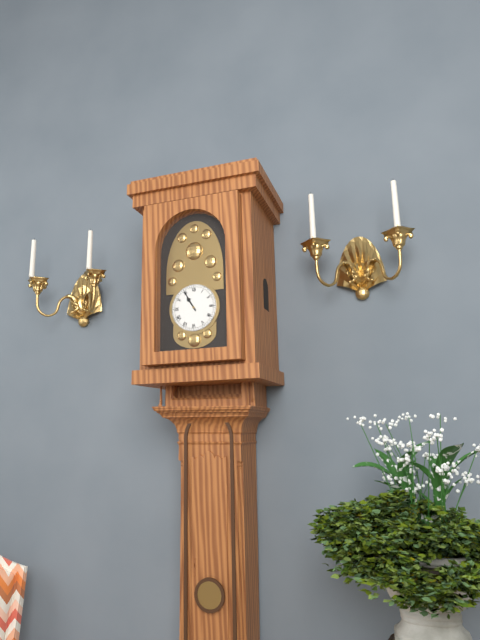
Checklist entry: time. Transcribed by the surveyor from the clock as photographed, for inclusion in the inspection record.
10:55
